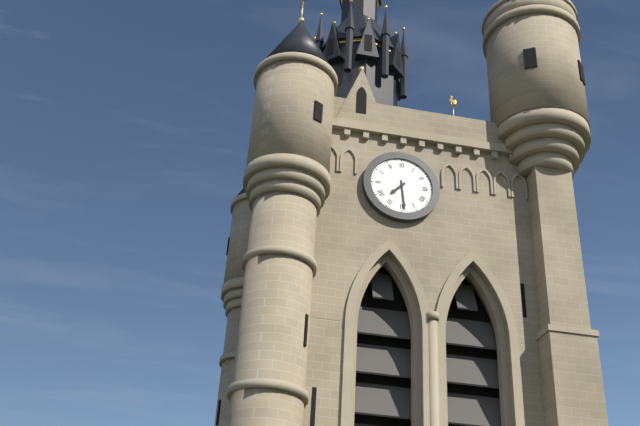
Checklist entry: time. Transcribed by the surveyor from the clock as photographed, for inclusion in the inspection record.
7:29
